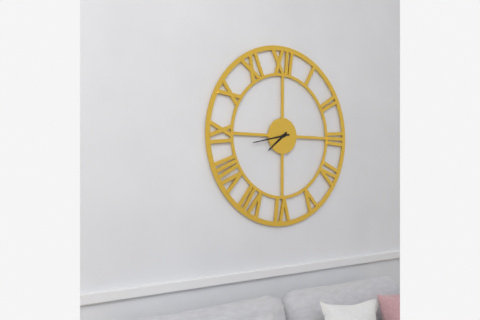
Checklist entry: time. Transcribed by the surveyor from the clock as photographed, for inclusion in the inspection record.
7:43
